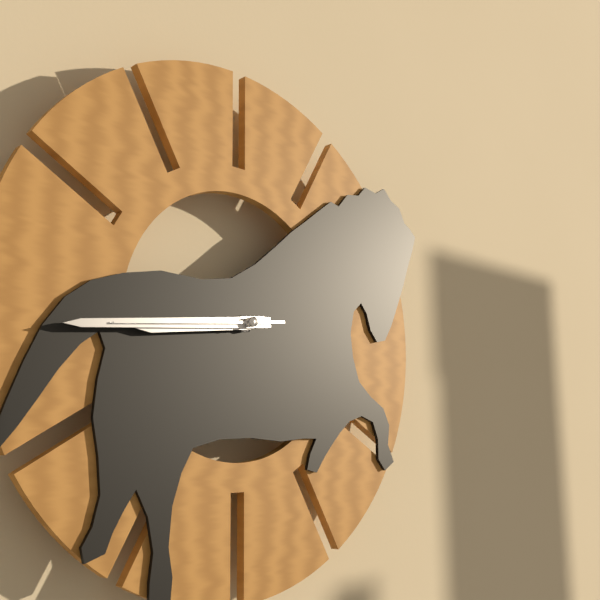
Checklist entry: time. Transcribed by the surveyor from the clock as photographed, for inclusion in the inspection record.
8:44:44
